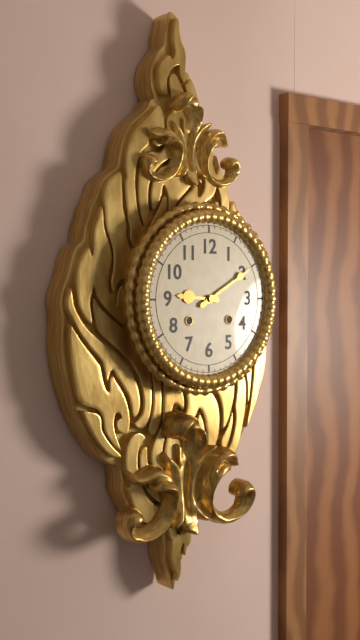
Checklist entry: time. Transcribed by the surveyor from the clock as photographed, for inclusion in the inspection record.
9:10
